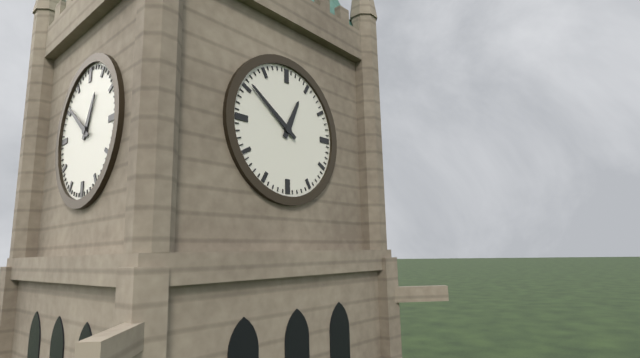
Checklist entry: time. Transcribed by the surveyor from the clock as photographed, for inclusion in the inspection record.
12:51
